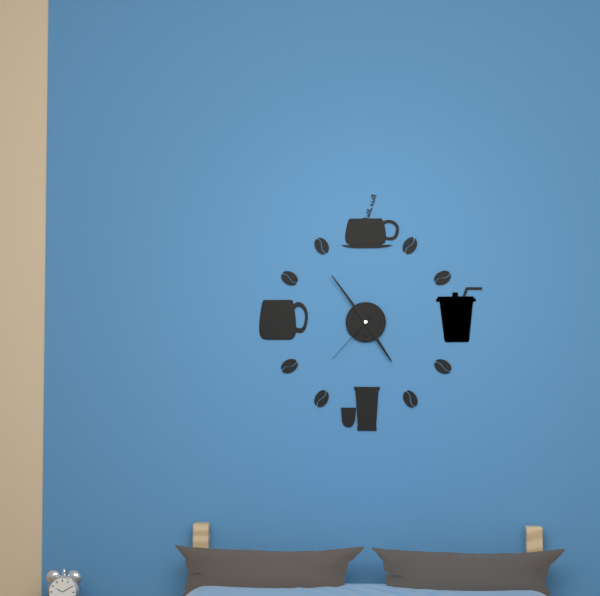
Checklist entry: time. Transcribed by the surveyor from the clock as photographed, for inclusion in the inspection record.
4:54:37
